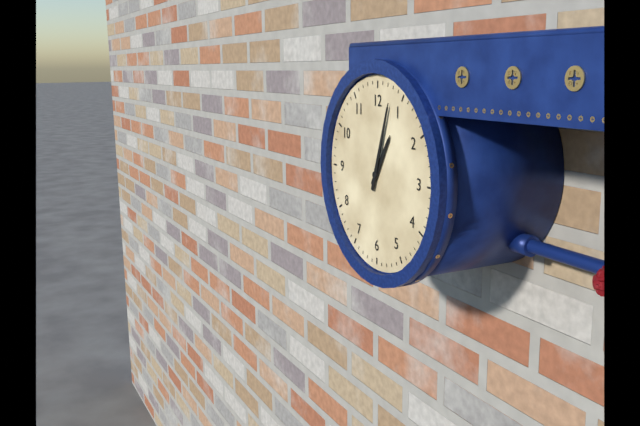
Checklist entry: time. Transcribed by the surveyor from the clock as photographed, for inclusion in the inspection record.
1:03
